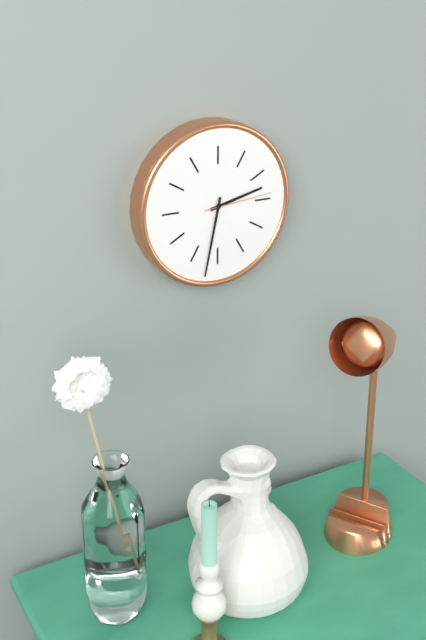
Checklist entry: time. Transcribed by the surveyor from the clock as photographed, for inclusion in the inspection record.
2:32:14
